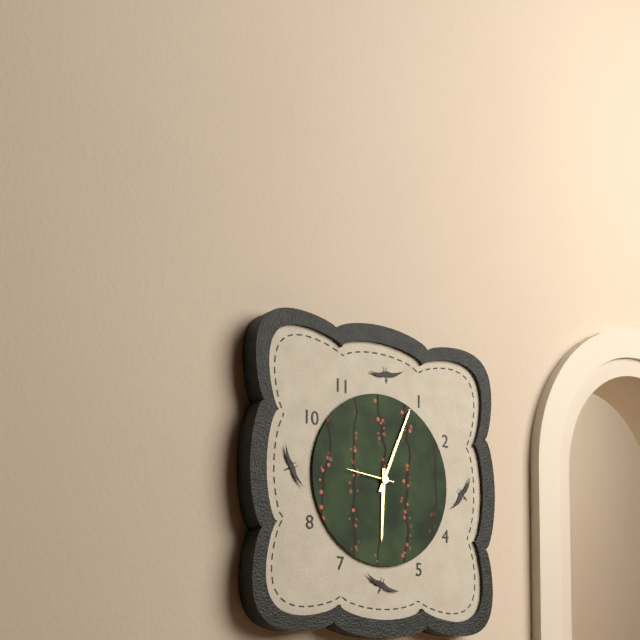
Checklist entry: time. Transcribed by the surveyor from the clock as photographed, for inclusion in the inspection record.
6:04
